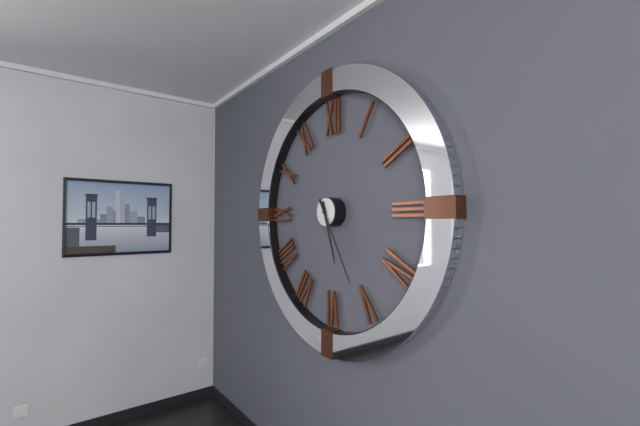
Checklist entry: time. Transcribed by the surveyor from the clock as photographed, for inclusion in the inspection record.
5:25
